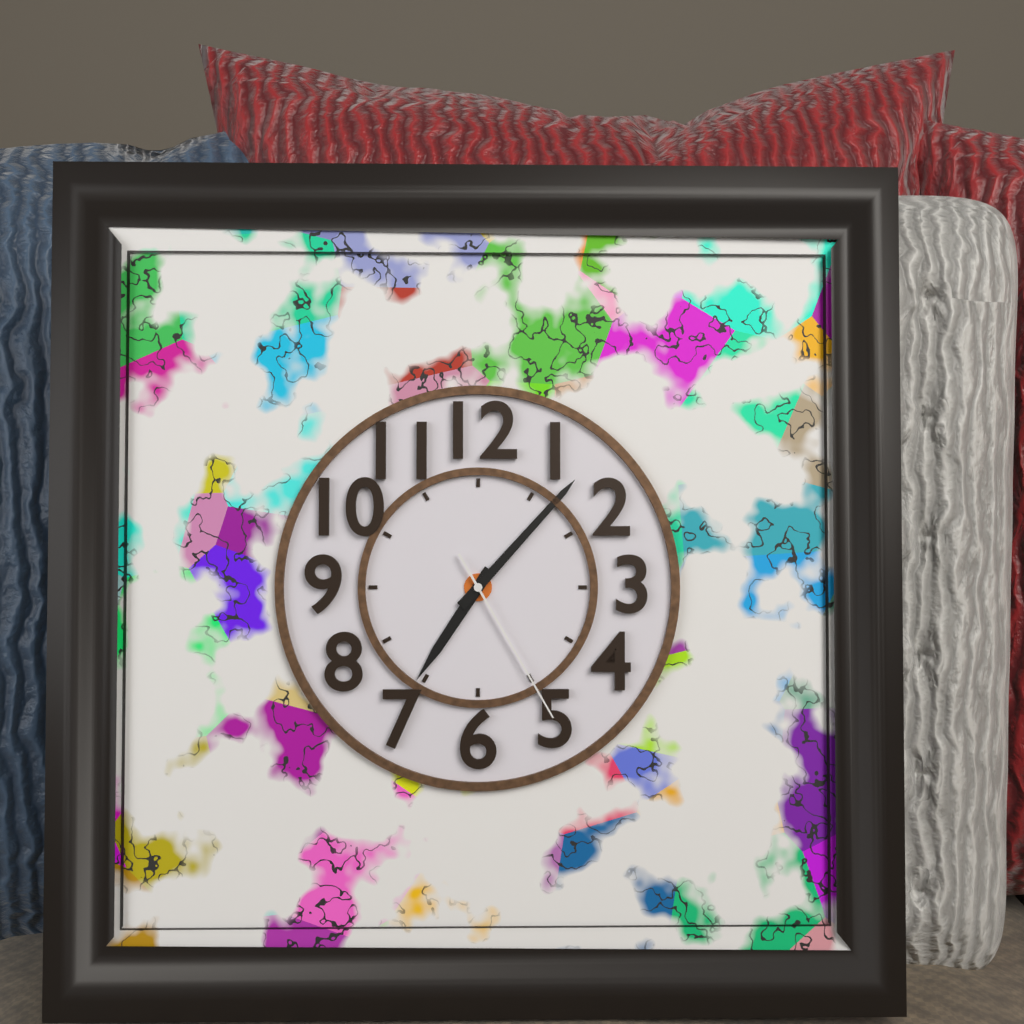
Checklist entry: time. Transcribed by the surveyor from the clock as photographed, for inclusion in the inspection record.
7:07:25
